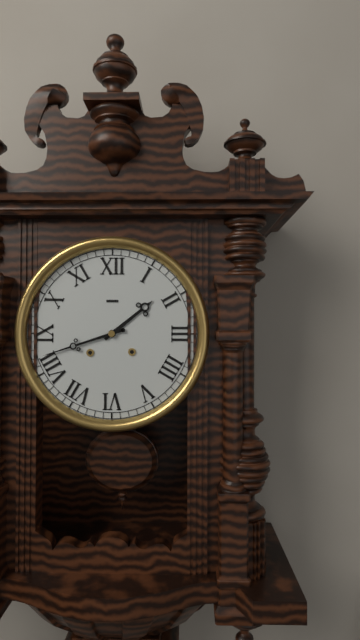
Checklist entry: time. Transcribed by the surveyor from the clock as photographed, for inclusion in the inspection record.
1:42
